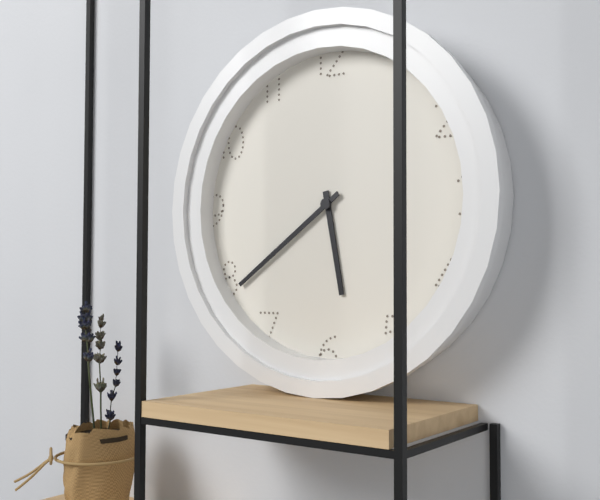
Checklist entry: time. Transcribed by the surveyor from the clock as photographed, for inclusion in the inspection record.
5:39
